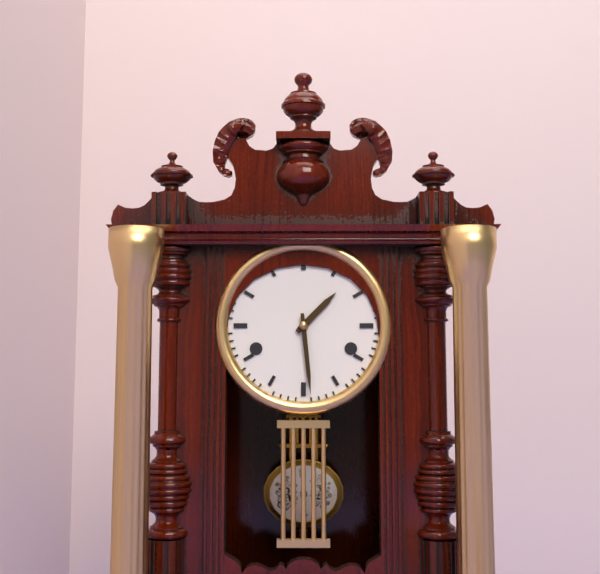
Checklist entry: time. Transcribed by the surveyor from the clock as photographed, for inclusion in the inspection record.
1:29
